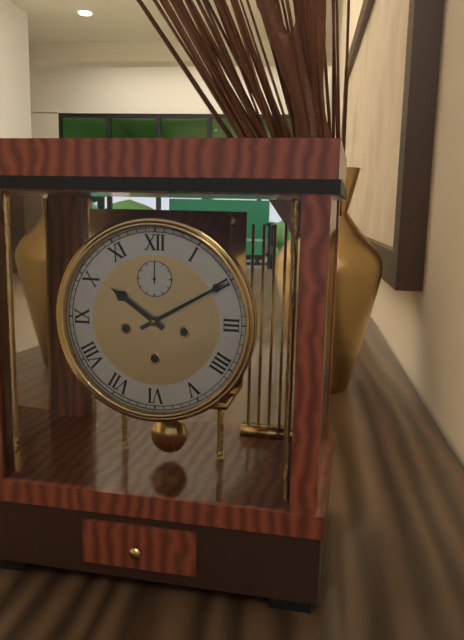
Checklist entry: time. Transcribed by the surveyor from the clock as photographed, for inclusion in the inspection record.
10:10
